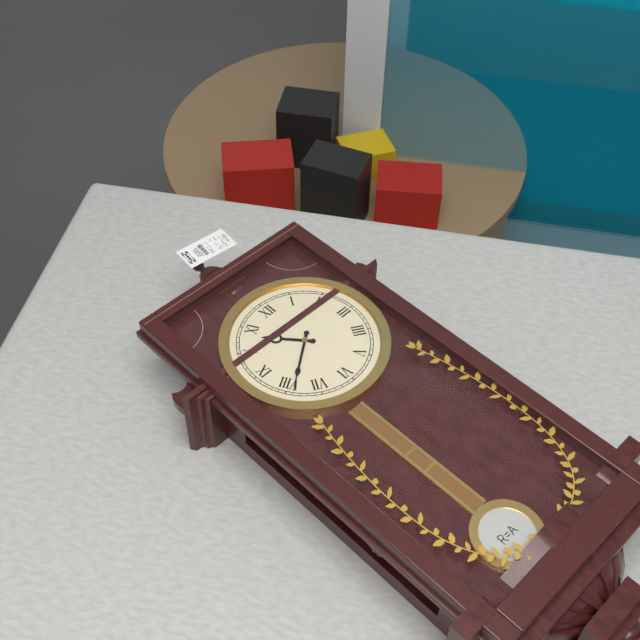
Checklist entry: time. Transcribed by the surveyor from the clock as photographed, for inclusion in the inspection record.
10:39
